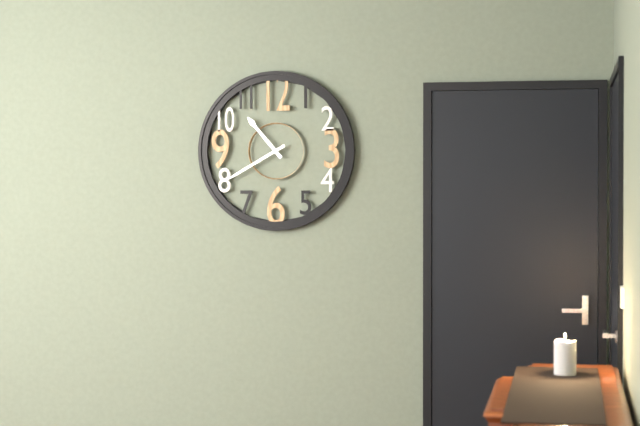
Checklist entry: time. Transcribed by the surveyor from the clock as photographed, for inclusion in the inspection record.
10:40
